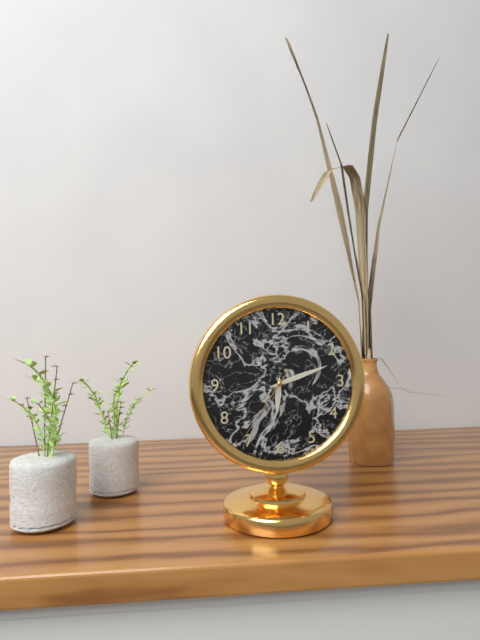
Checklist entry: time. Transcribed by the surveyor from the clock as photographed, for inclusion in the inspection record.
6:12:36
